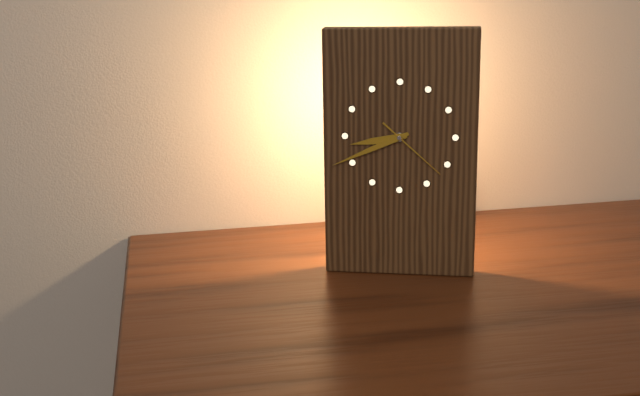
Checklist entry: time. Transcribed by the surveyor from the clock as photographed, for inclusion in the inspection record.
8:41:22
